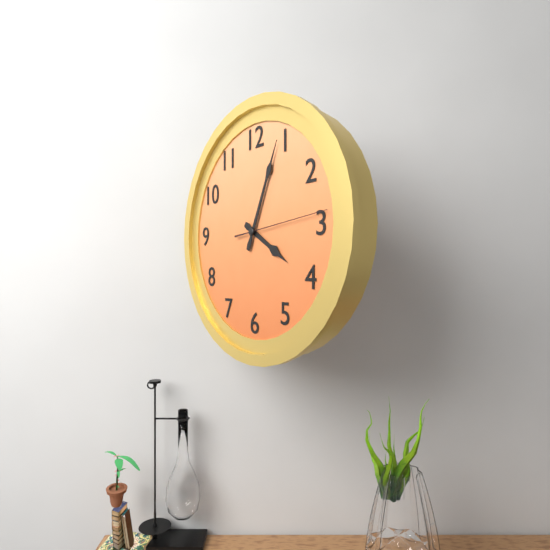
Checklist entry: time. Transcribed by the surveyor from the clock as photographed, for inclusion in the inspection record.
4:04:14
